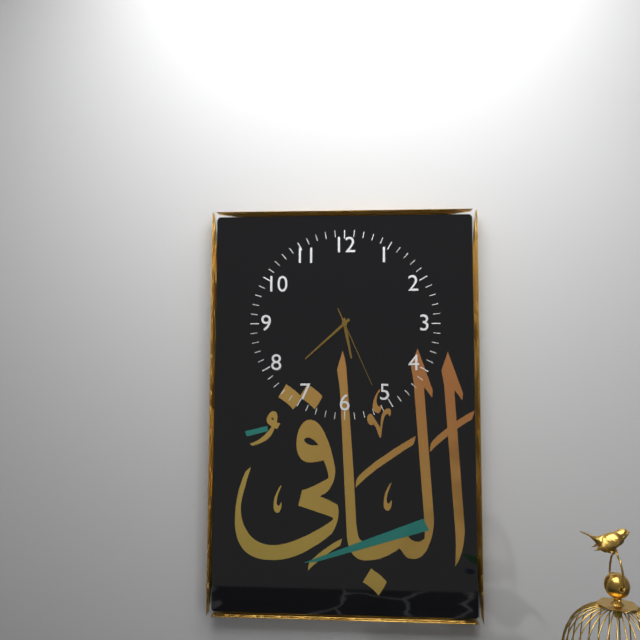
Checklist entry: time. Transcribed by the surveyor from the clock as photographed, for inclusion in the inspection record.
5:38:26
